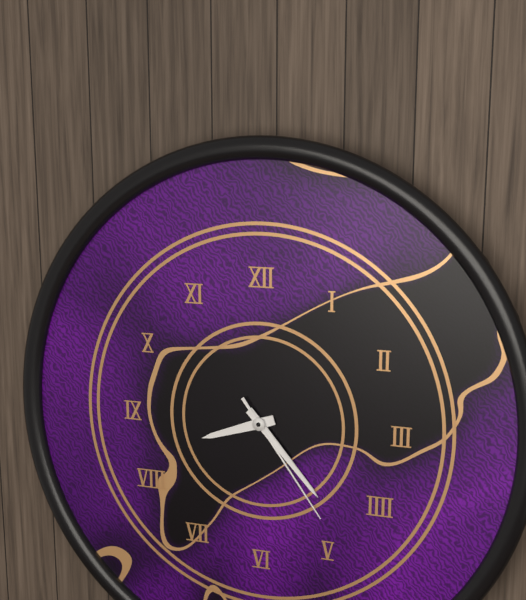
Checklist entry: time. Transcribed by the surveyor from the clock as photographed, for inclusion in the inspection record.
8:23:24
